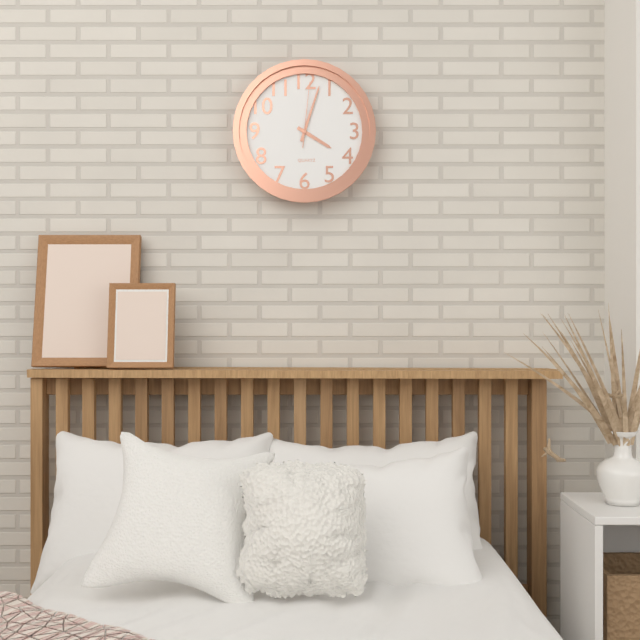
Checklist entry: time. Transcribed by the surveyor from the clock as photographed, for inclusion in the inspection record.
4:03:01
